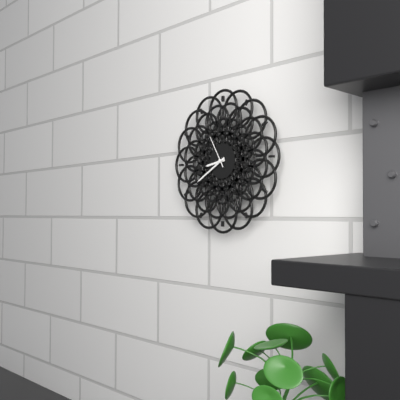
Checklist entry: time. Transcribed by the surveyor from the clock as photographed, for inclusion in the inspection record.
8:40
